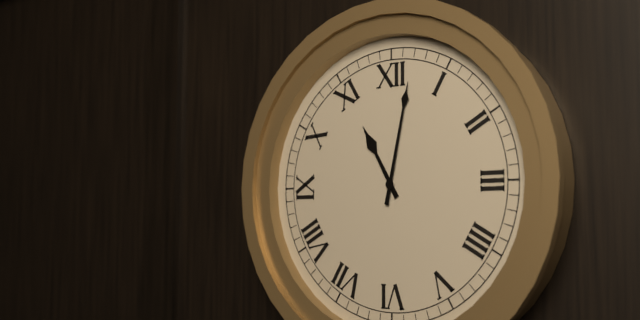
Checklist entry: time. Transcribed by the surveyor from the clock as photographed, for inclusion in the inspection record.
11:02
